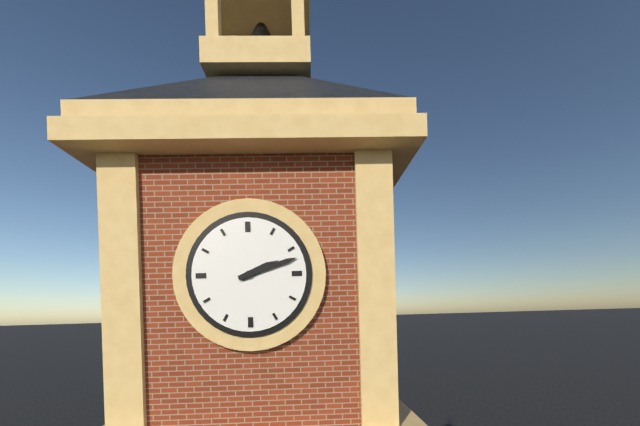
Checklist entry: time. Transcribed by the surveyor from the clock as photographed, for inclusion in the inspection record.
2:12
